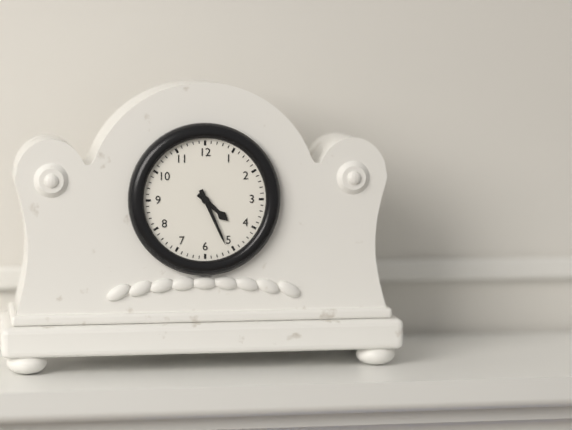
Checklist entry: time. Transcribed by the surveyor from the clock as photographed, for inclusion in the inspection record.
4:26
